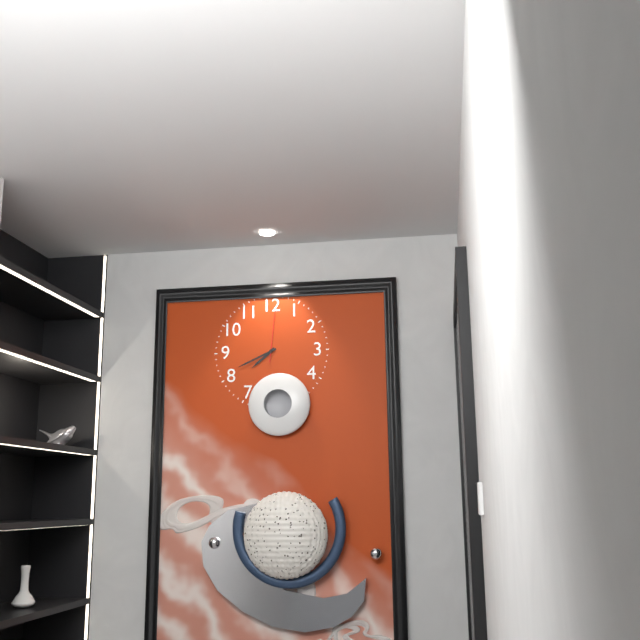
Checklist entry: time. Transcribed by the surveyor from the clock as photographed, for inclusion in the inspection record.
7:41:01
